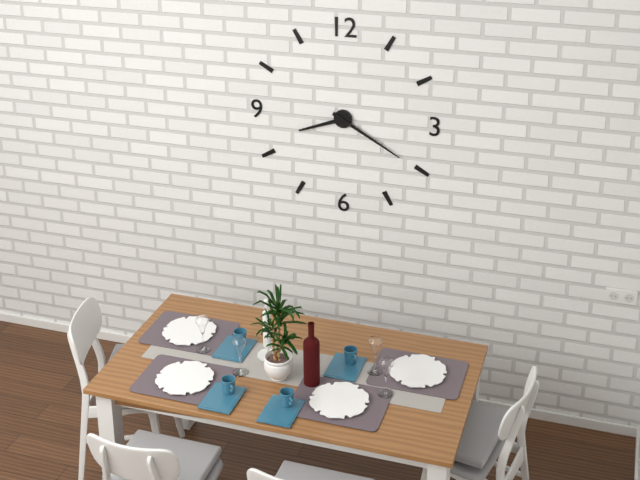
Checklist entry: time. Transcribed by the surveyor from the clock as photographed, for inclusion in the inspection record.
8:20
